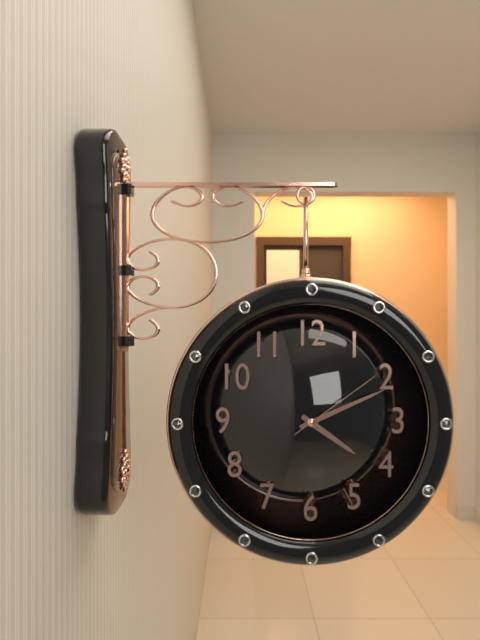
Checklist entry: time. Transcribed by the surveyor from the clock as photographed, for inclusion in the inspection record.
4:11:09
